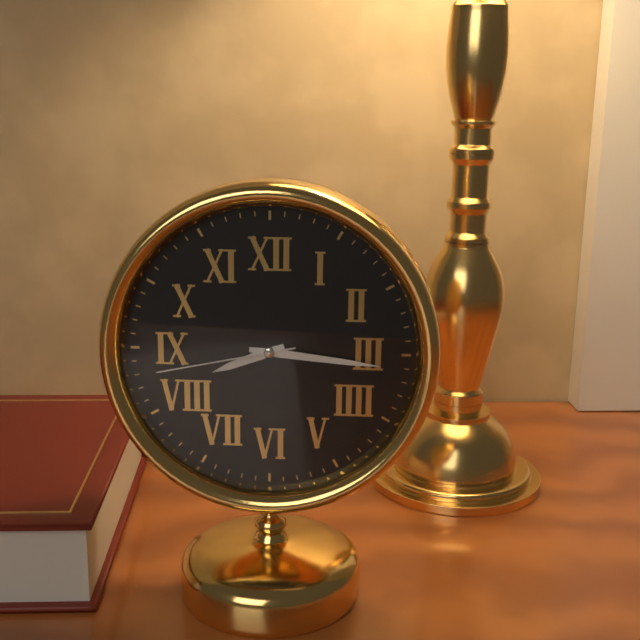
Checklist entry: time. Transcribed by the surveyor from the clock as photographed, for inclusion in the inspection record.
8:16:43
